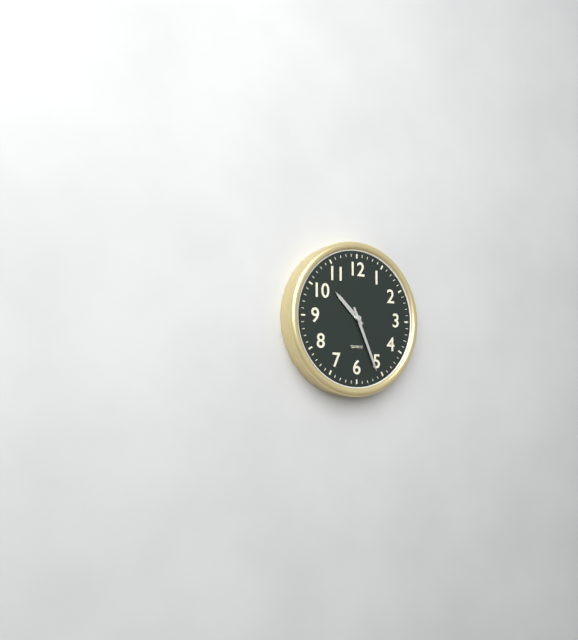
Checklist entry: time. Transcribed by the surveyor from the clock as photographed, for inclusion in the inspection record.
10:26
